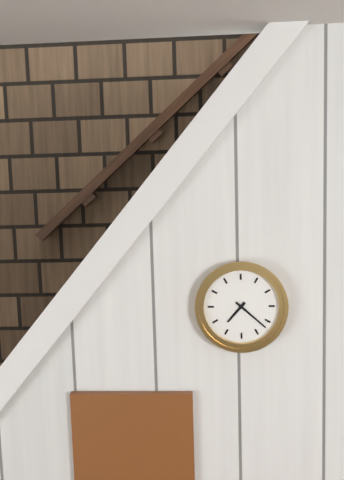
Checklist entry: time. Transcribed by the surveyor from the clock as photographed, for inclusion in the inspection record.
7:22
